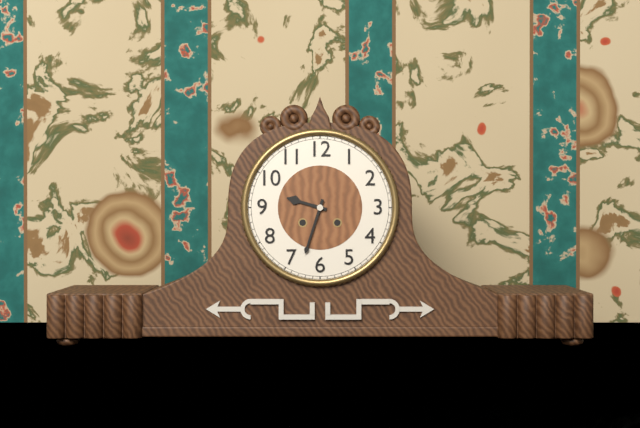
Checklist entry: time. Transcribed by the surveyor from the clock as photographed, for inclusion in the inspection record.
9:33
